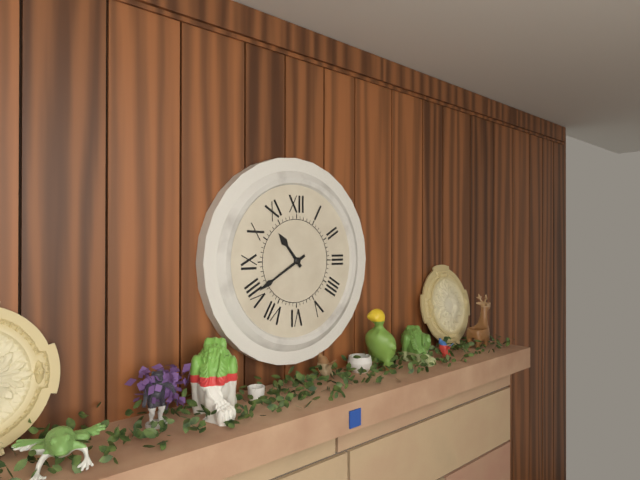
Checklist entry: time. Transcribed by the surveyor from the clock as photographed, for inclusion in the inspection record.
10:40
